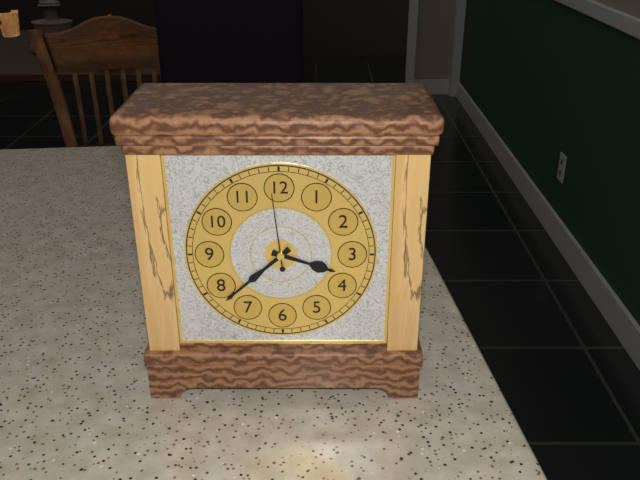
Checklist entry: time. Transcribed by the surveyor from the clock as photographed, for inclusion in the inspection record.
3:38:59
